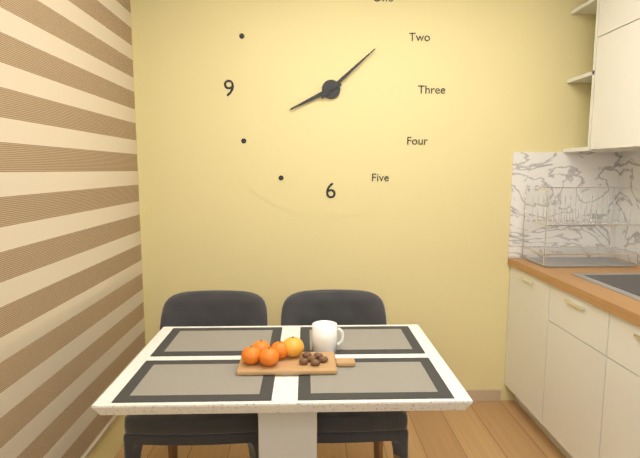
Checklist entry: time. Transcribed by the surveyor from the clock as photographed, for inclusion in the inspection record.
8:08
